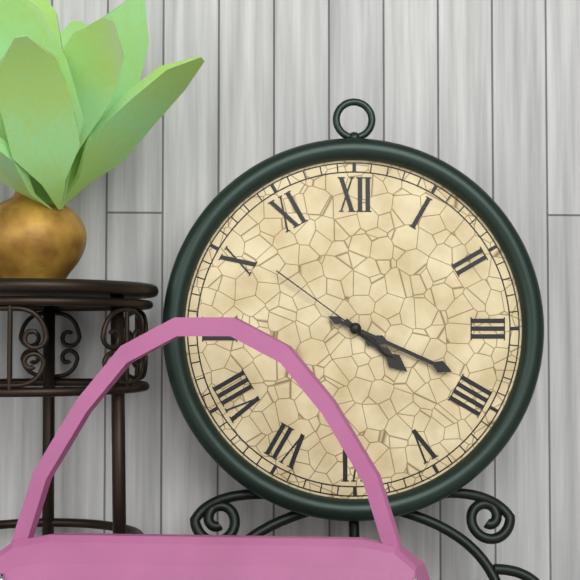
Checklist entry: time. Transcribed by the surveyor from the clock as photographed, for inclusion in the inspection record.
4:19:51
